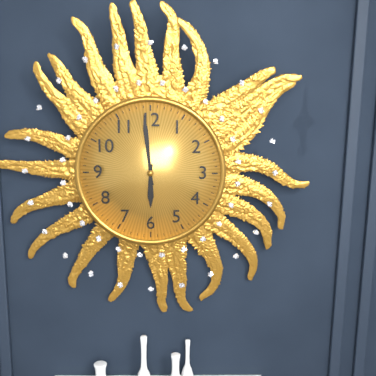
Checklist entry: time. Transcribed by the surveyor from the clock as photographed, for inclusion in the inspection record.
5:59
